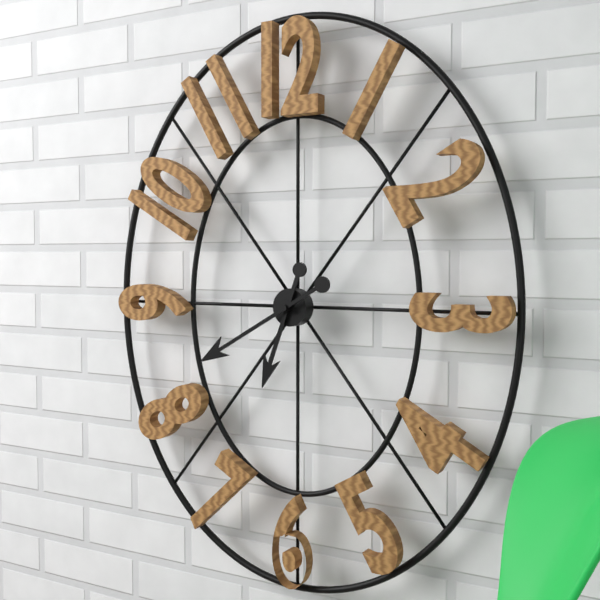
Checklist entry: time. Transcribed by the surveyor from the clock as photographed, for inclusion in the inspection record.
6:40
